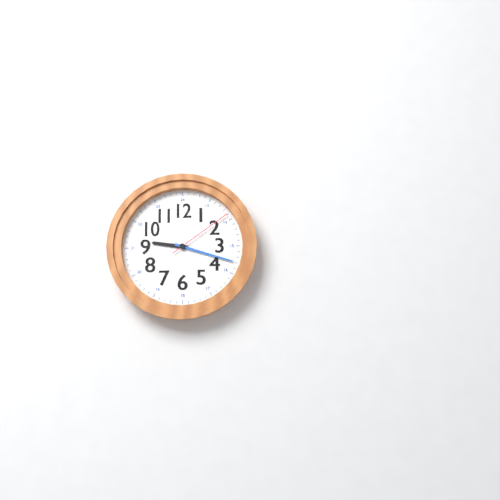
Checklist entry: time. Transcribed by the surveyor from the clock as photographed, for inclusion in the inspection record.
9:18:09
